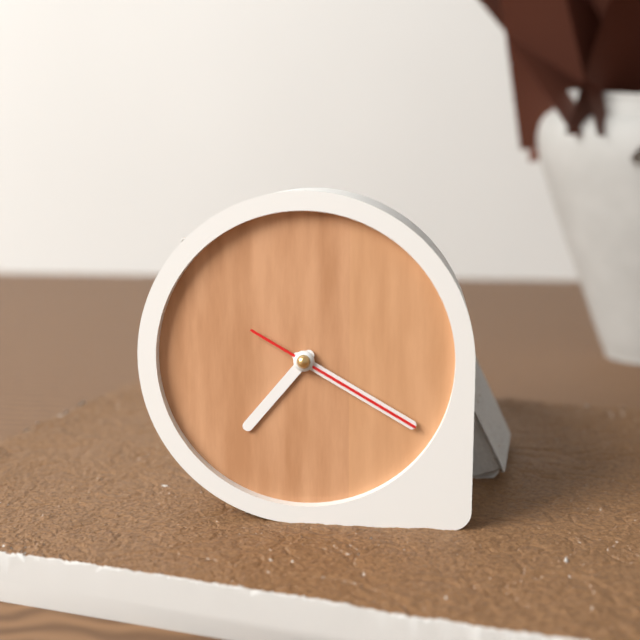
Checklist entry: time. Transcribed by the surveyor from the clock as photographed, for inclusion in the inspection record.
7:20:20
